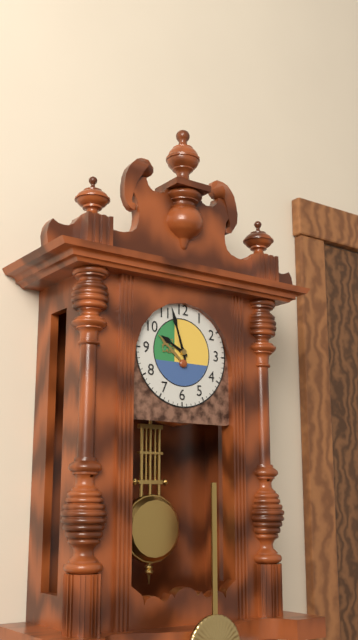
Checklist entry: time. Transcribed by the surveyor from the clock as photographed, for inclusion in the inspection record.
9:57
